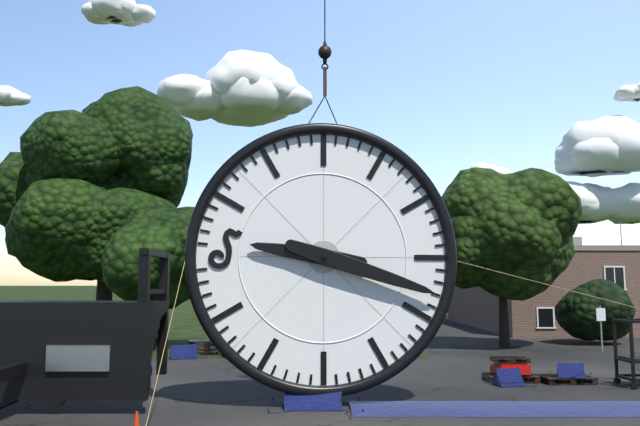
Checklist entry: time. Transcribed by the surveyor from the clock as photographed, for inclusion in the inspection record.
9:18
